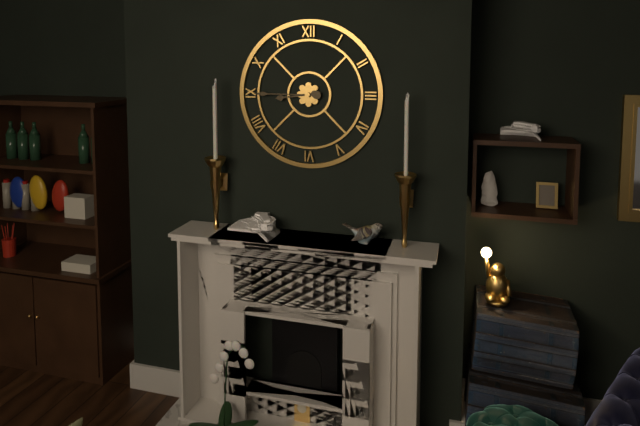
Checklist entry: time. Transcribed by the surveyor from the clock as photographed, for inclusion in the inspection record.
8:45
